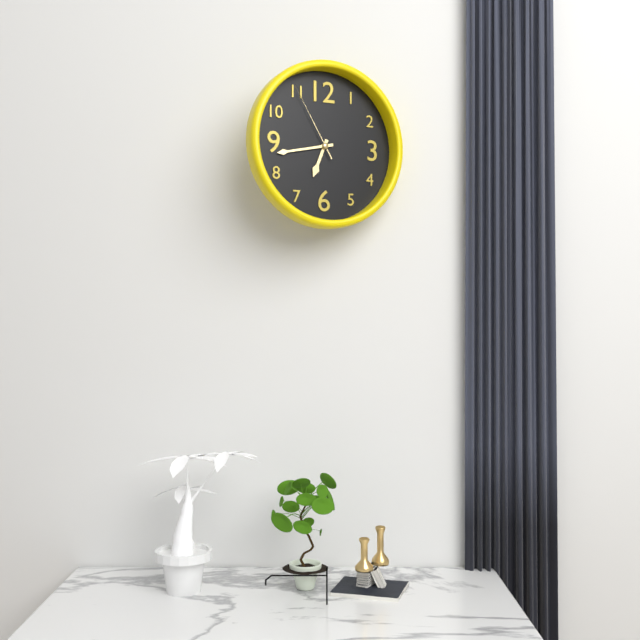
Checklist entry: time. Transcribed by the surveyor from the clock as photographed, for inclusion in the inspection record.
6:43:55
